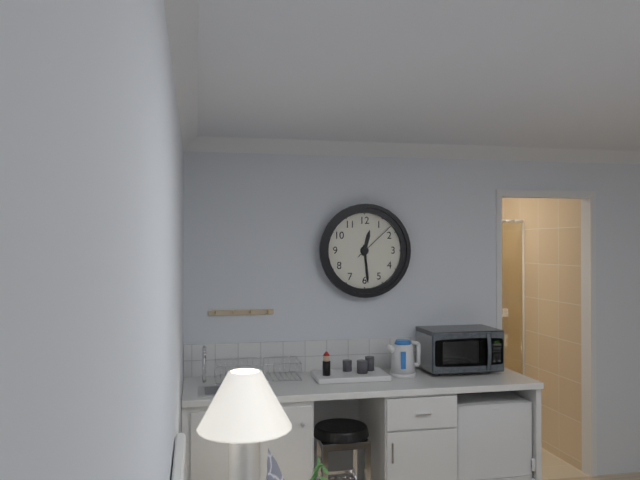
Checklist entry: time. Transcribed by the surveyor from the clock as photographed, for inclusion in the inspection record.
12:29
